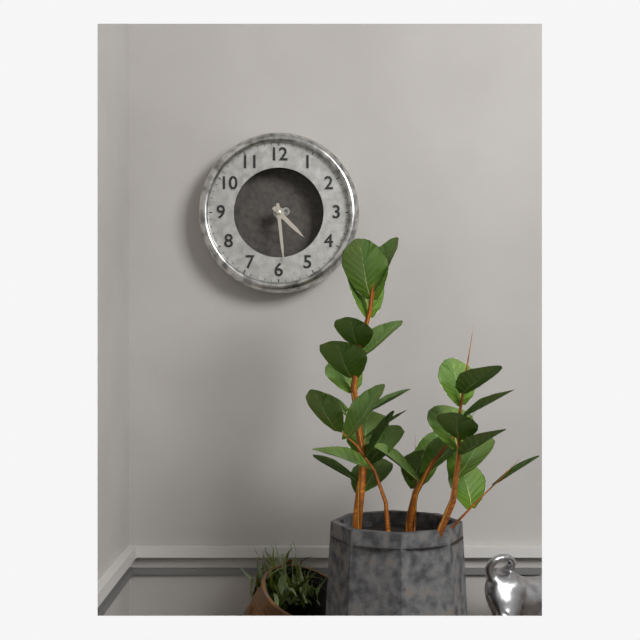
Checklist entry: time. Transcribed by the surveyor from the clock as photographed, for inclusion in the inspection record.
4:29
